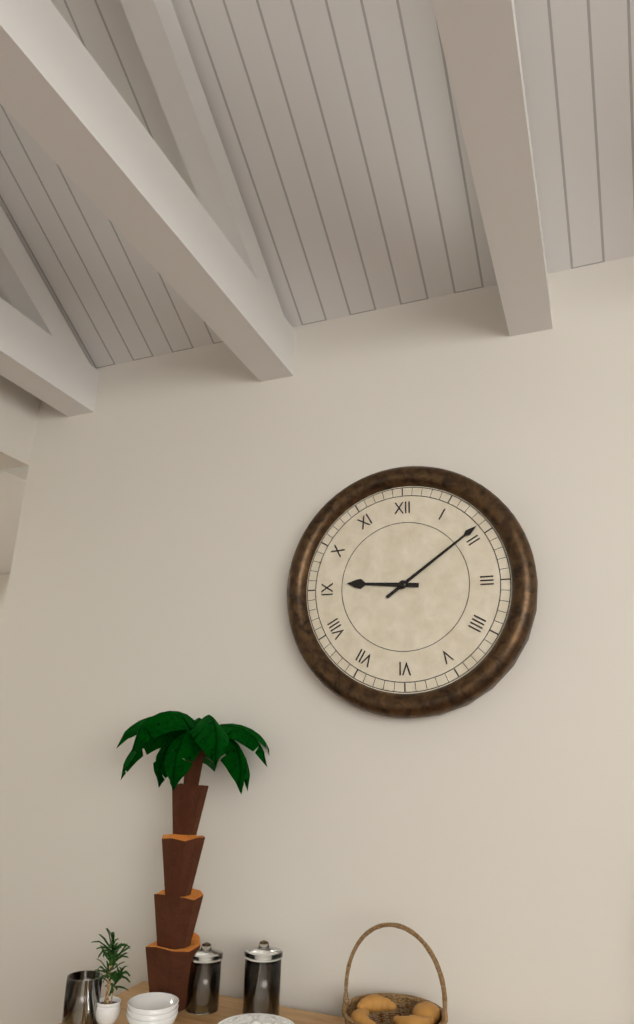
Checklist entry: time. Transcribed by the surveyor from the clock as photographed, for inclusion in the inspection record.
9:09
